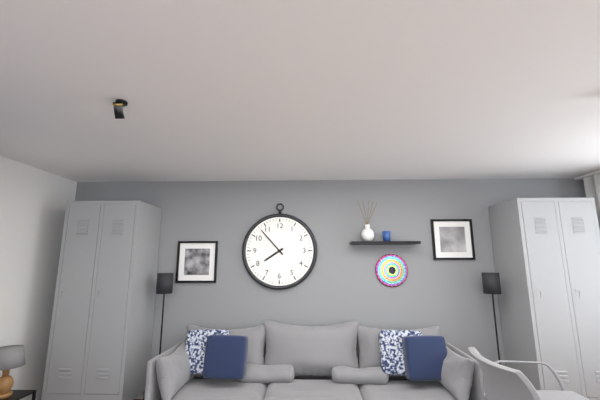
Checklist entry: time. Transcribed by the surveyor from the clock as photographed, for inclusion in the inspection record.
7:53
